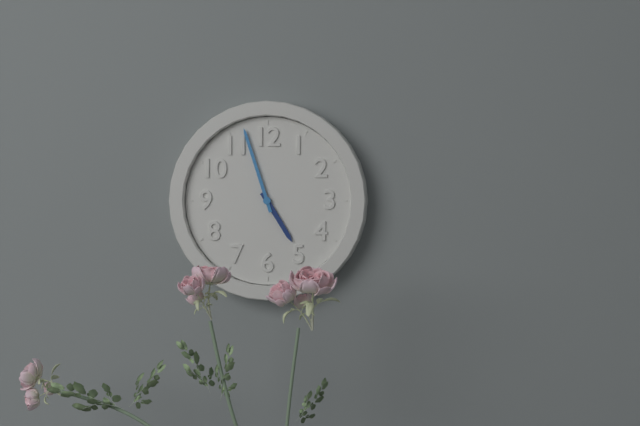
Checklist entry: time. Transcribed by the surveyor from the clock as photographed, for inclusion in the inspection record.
4:57
